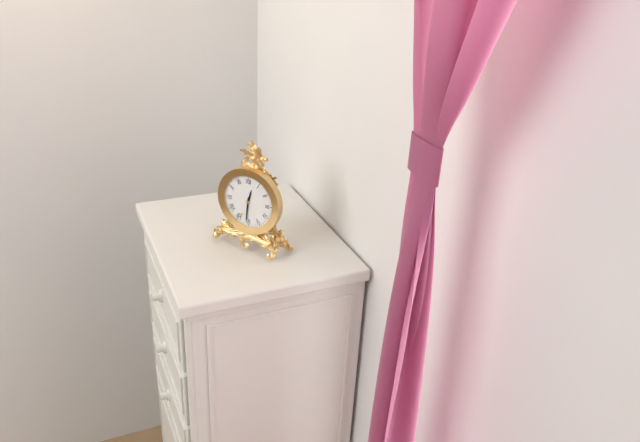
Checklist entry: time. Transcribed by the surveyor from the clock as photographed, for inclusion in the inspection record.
12:31
